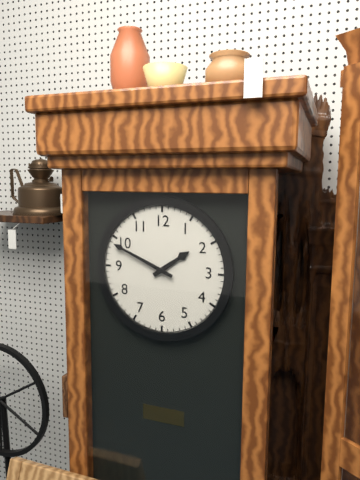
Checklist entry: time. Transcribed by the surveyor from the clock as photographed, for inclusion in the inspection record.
1:49
